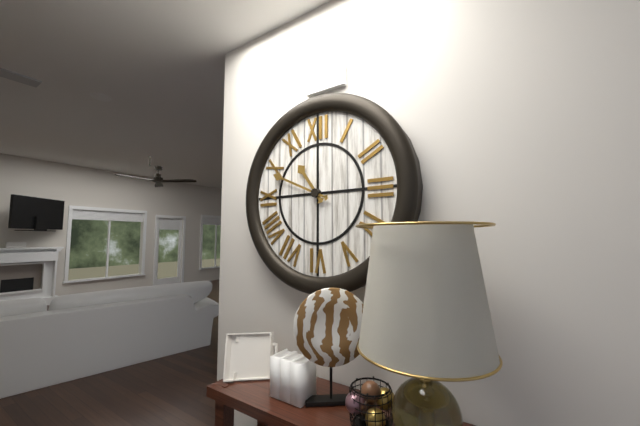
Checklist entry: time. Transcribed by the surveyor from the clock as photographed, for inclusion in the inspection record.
10:49
